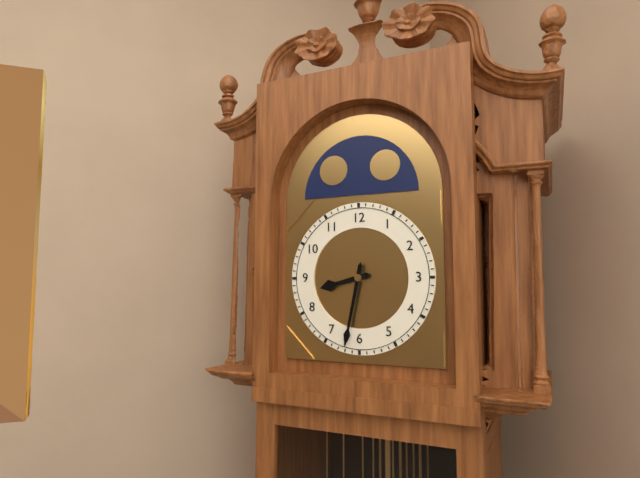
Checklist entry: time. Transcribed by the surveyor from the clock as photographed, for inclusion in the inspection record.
8:32
